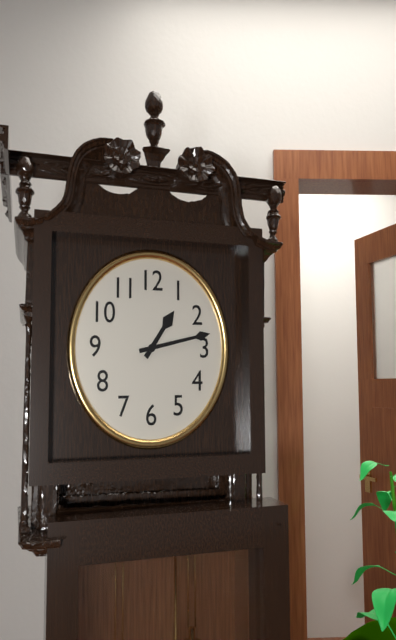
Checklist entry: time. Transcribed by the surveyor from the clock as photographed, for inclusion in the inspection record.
1:13
